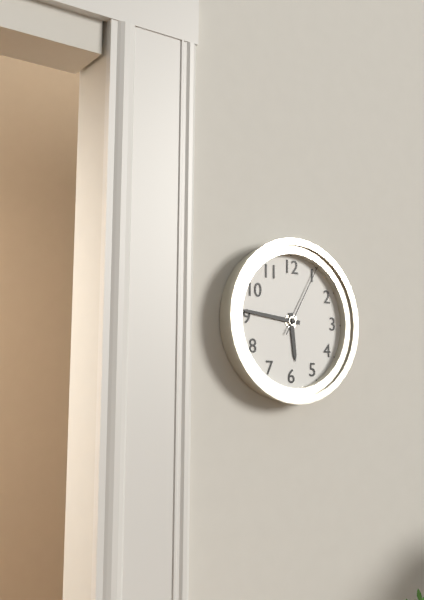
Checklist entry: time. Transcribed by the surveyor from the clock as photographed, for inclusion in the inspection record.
5:46:05
